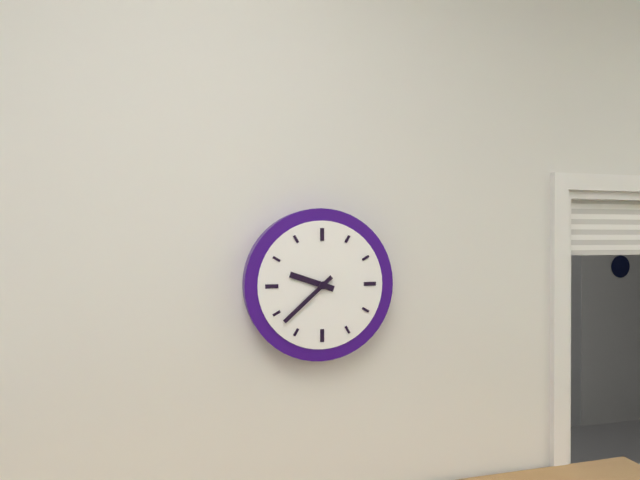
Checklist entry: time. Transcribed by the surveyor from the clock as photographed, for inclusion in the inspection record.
9:38
